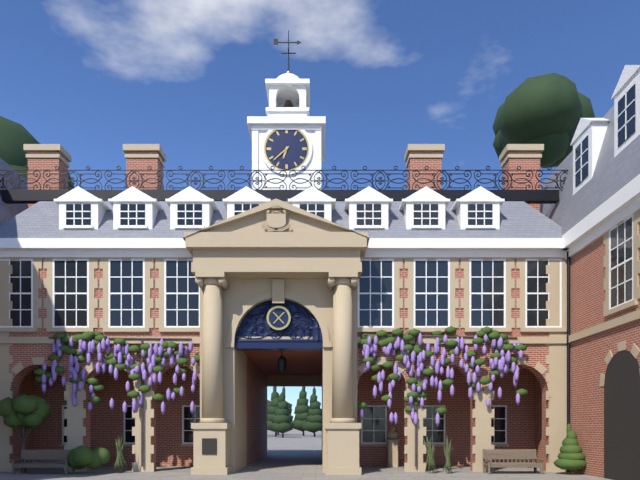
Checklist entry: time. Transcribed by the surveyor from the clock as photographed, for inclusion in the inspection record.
6:38
